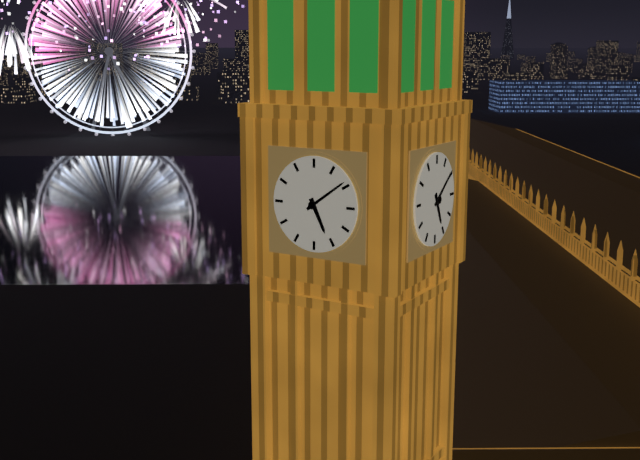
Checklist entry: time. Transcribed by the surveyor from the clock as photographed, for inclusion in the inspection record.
5:09
